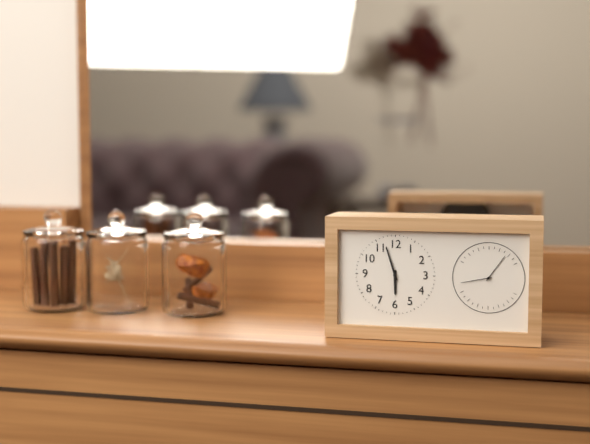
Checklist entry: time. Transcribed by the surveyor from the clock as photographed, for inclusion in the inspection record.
5:57
